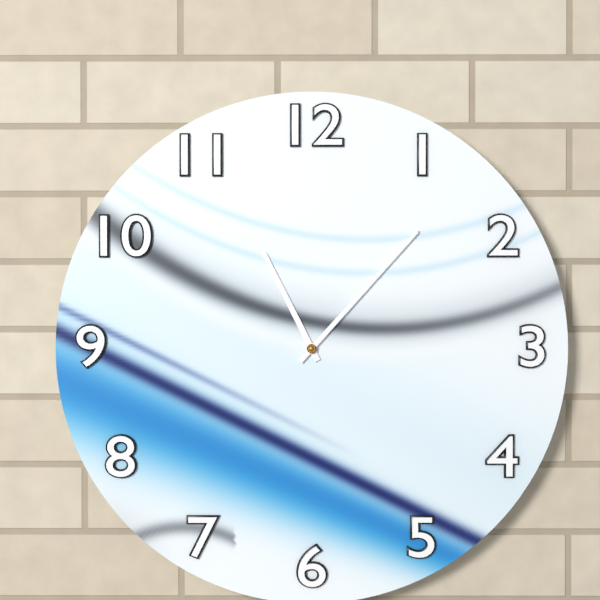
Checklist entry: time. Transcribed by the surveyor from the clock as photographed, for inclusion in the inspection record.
11:07
